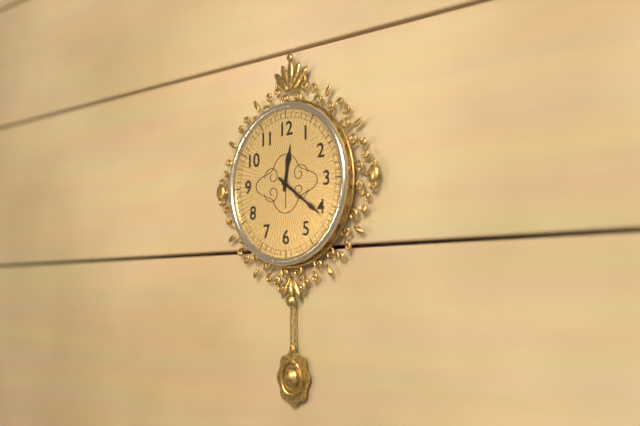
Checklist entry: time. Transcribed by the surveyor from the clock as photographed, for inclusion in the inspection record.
12:21
